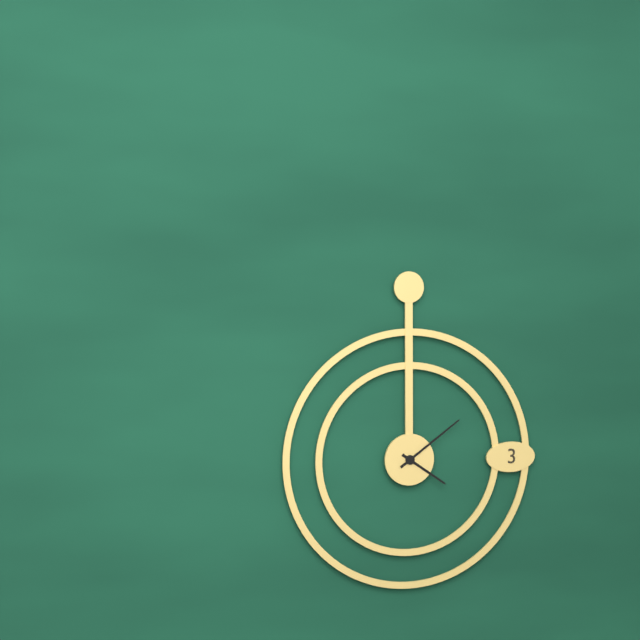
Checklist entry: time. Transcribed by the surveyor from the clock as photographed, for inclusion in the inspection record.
4:09
